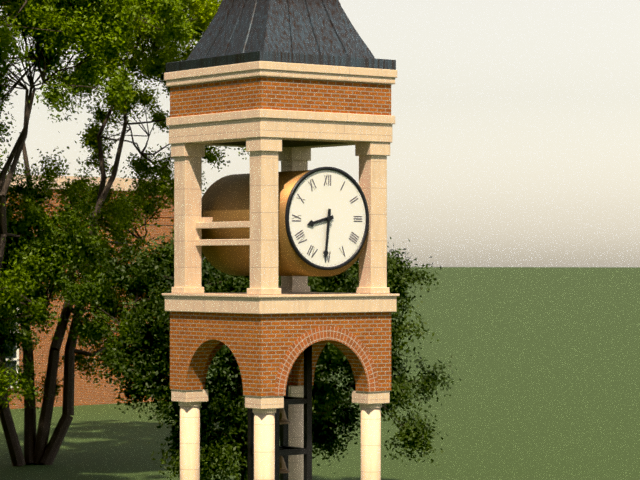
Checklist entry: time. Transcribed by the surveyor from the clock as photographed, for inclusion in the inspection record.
8:31
